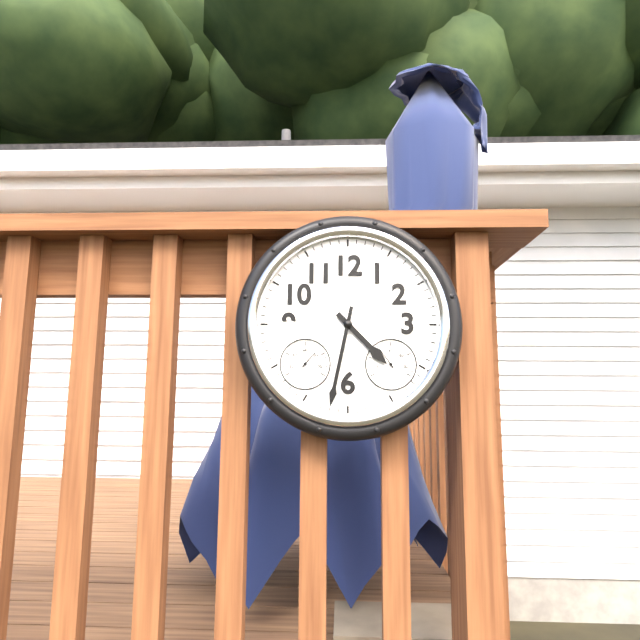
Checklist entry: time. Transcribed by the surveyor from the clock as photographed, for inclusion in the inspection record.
4:32
